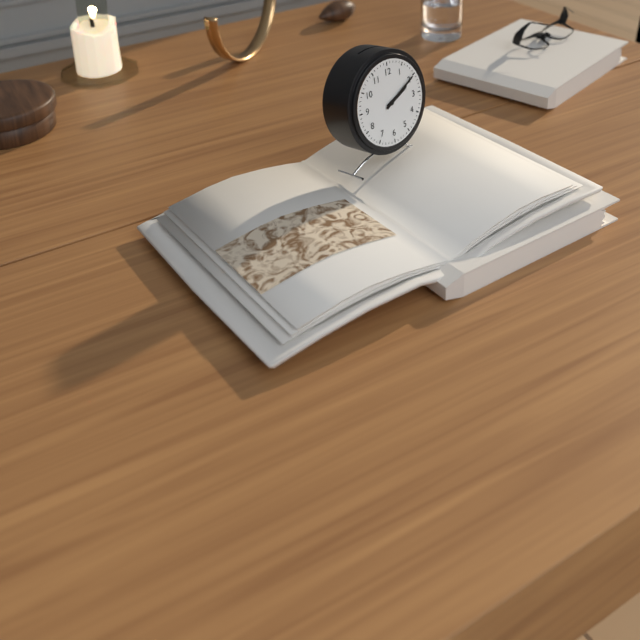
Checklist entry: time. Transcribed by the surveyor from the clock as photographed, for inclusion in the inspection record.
2:10
